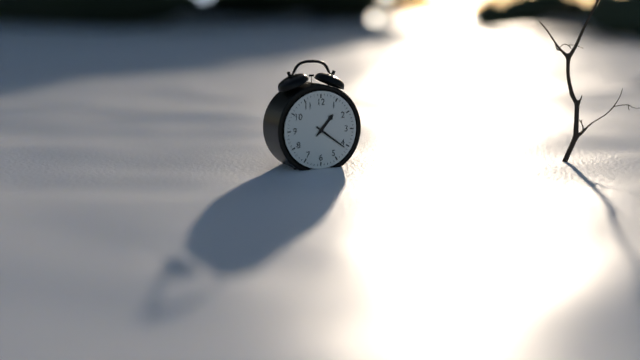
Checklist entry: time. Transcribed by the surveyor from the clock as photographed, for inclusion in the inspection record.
1:21
